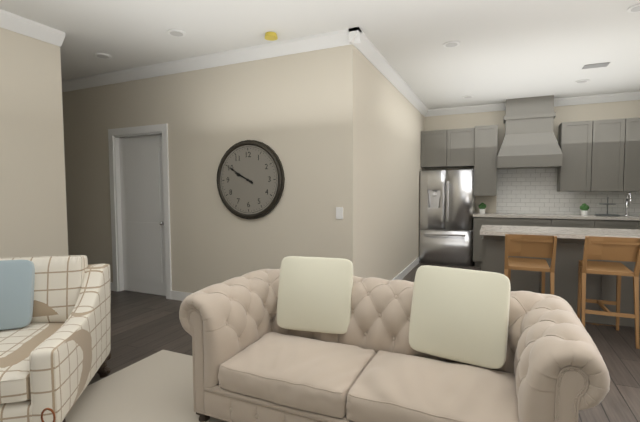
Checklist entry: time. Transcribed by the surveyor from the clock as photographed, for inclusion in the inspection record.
9:50
